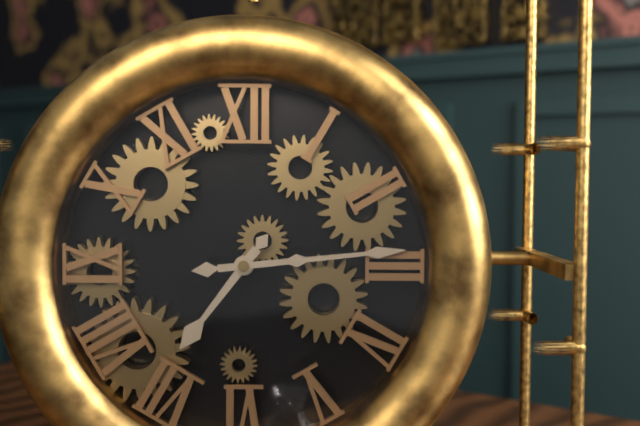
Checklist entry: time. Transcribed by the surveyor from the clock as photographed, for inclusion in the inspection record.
7:14
